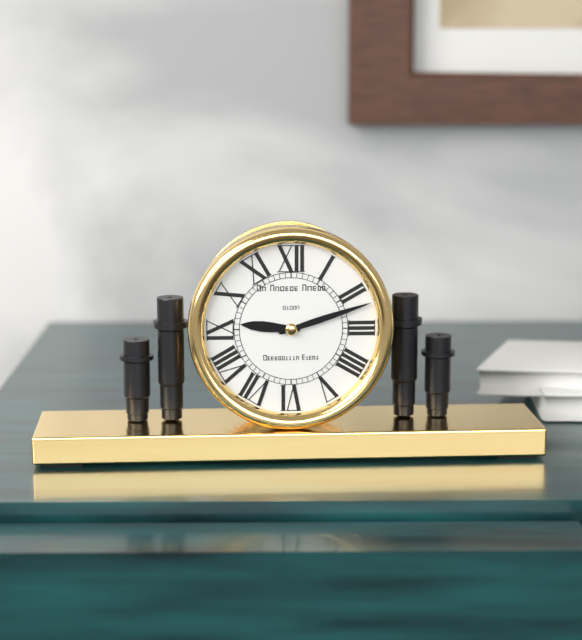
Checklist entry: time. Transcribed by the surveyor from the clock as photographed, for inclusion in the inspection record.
9:12
